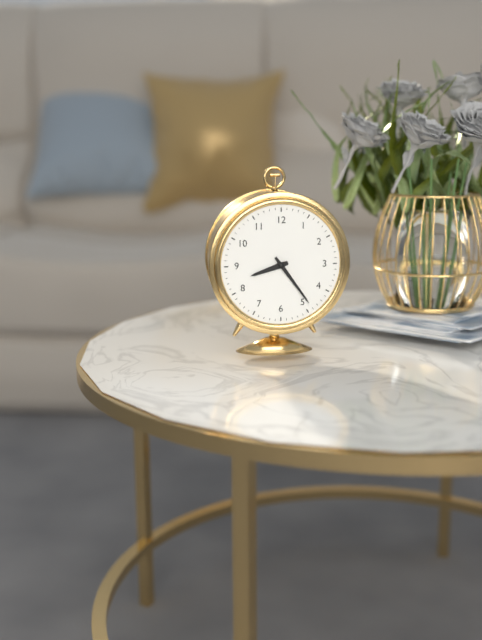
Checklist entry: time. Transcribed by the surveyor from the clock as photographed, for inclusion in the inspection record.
8:24
